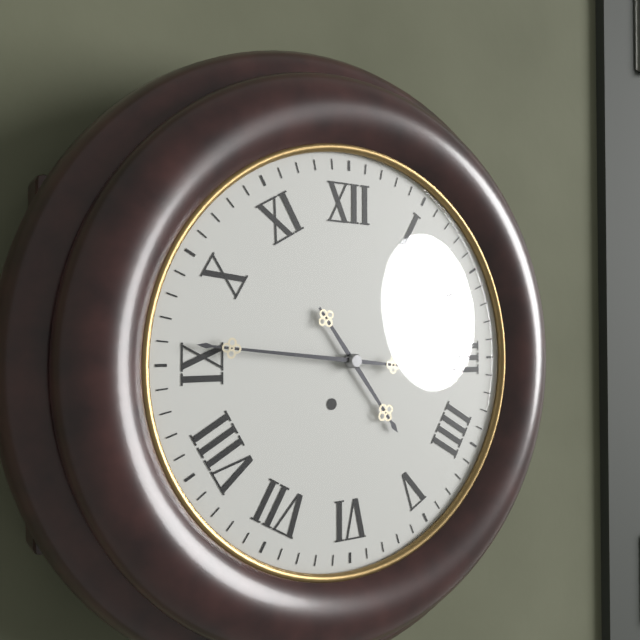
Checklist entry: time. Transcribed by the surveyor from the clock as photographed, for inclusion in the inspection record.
4:46
